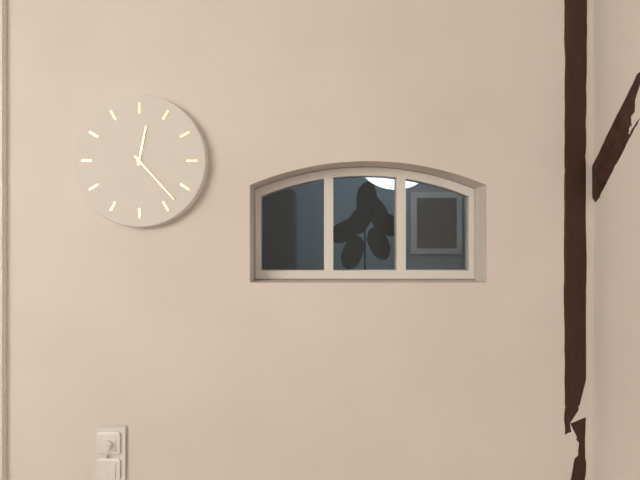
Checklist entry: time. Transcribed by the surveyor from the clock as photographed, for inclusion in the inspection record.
12:23
